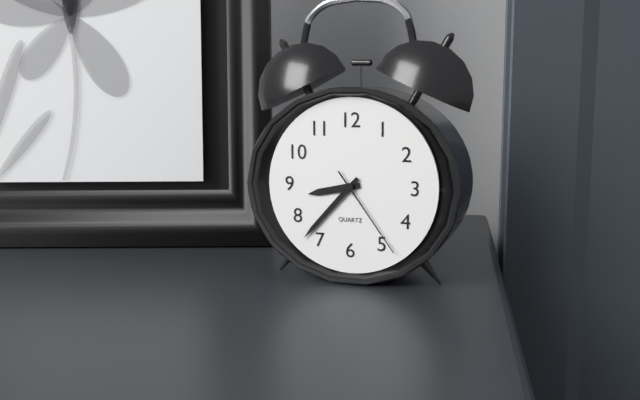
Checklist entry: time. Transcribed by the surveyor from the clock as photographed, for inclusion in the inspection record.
8:37:24
